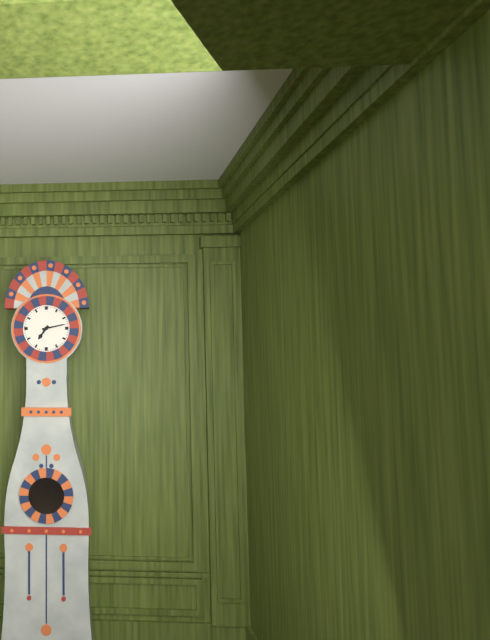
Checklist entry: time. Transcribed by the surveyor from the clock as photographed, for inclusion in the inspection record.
7:13
